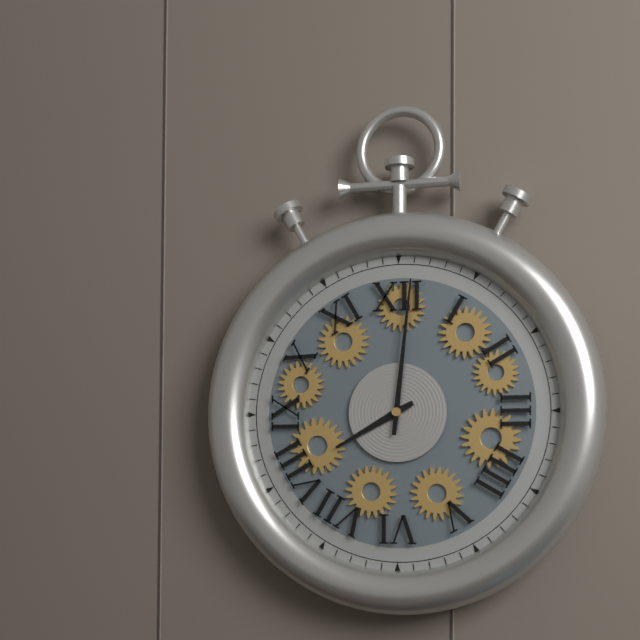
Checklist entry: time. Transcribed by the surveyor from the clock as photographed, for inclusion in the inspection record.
8:01
